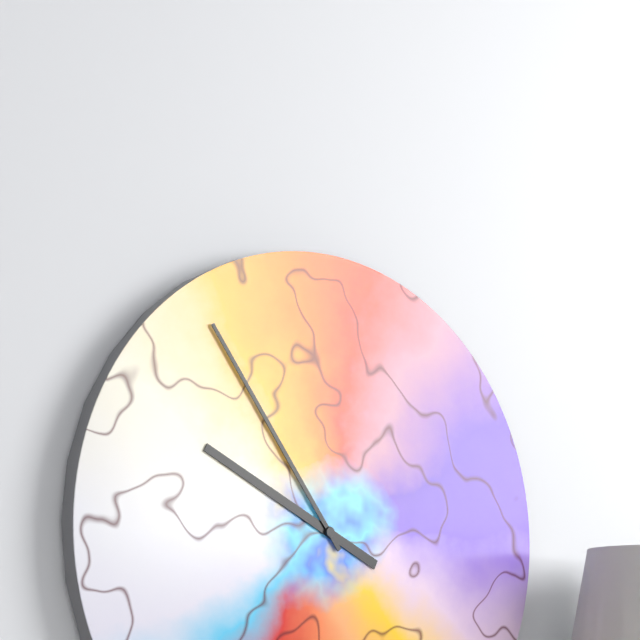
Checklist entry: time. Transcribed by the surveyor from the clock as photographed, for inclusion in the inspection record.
9:54
